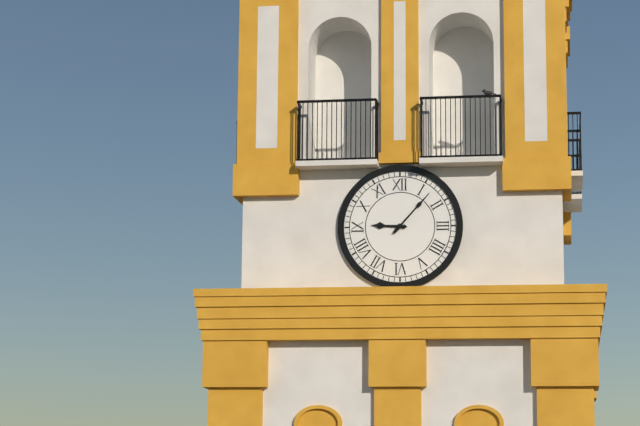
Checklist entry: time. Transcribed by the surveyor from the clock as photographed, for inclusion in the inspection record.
9:07
